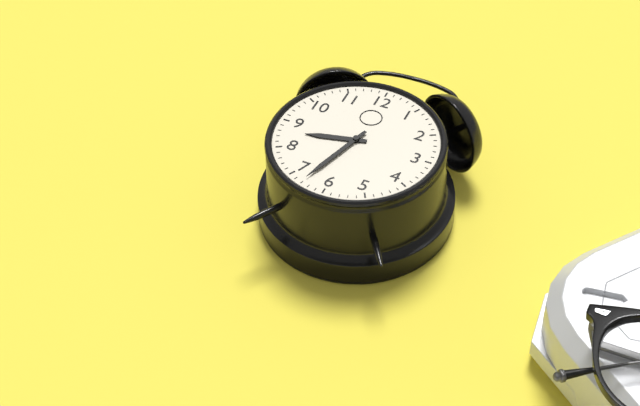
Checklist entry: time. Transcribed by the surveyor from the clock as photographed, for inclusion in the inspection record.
8:33
